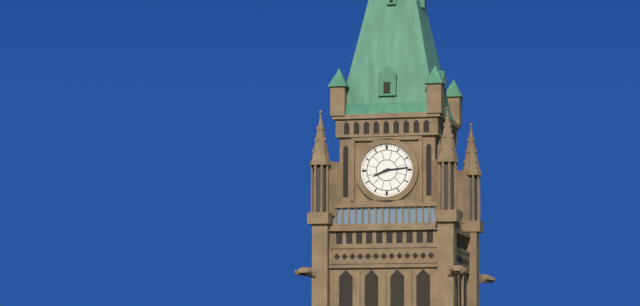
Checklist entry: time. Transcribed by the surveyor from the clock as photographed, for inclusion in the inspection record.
8:14
